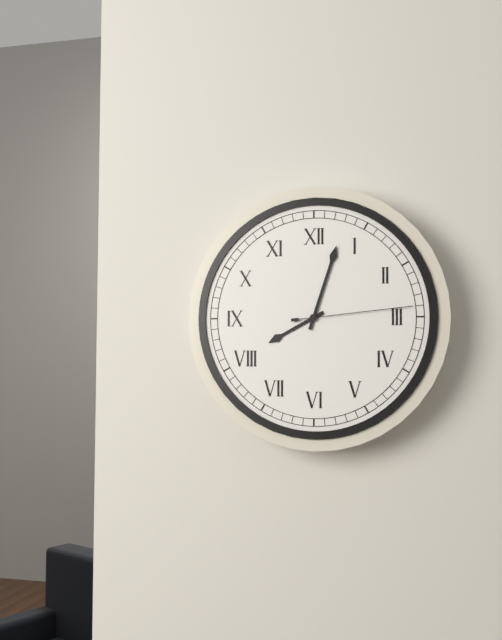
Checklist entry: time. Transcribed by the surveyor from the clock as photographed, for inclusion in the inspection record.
8:03:14
